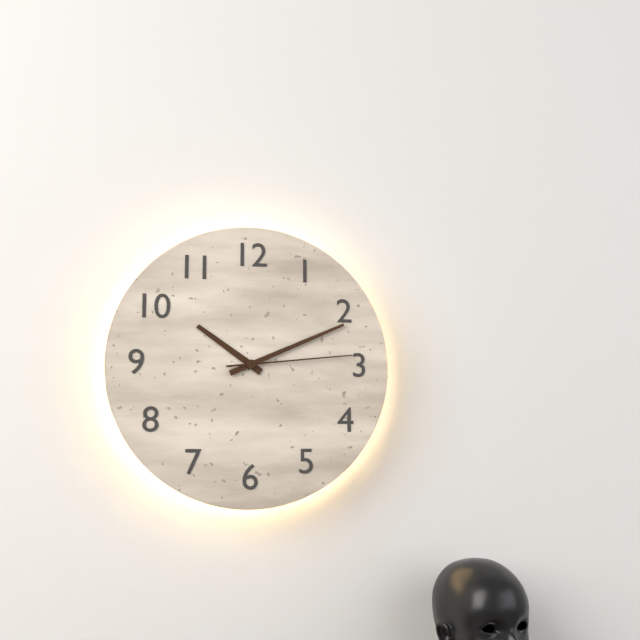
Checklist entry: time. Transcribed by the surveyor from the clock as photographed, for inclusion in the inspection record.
10:11:14
